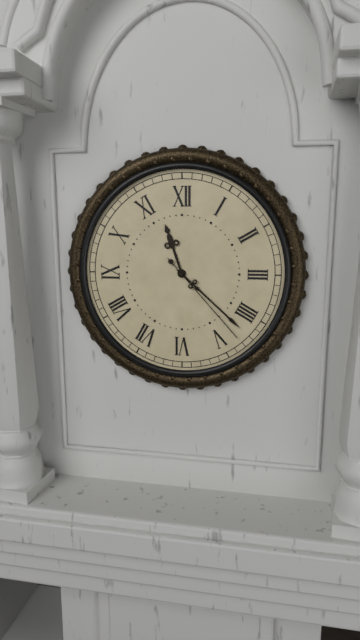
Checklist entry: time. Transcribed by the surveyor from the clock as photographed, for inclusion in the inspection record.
11:22:23
